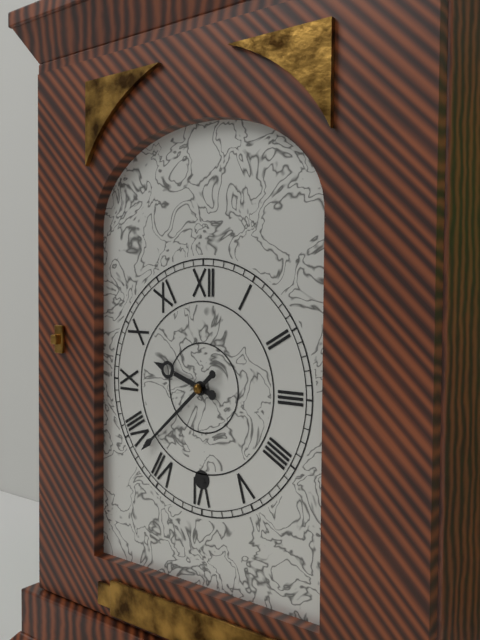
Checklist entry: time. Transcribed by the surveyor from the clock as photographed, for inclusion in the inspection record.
9:38
